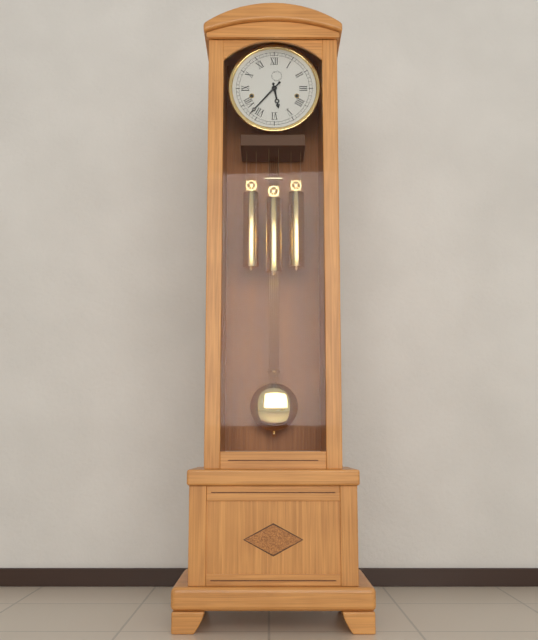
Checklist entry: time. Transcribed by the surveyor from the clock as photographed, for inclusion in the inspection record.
5:37
